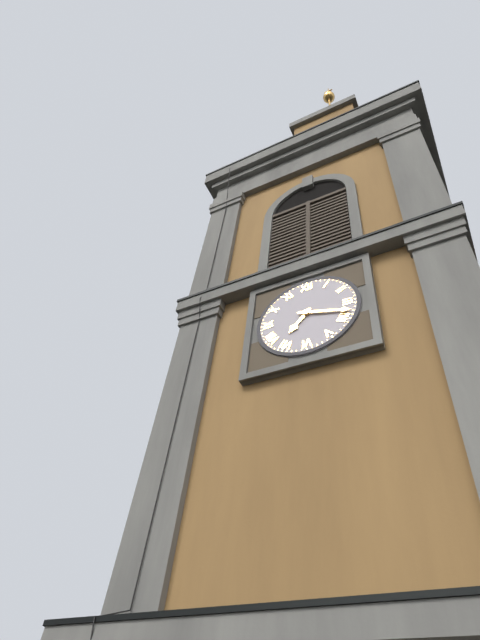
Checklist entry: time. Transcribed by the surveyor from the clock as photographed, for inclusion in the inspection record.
7:18
